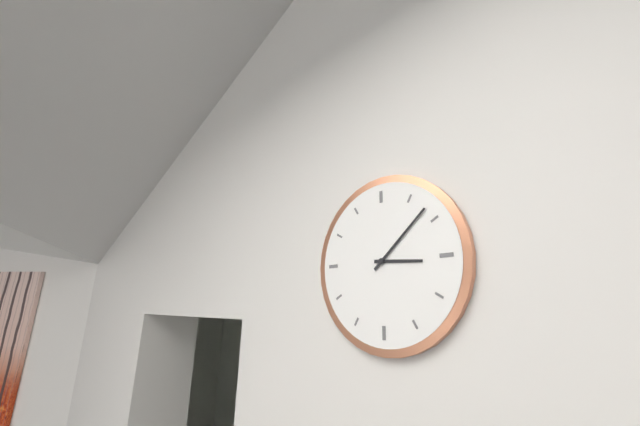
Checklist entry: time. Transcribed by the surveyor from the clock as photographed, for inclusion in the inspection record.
3:08
